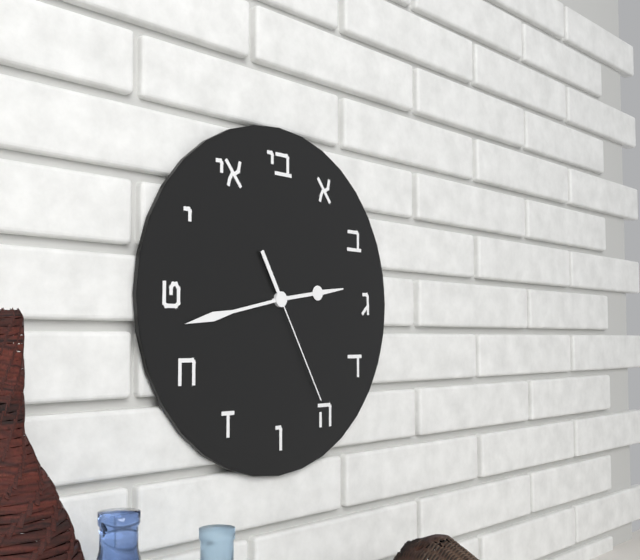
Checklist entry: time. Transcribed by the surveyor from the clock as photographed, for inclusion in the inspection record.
2:43:25
